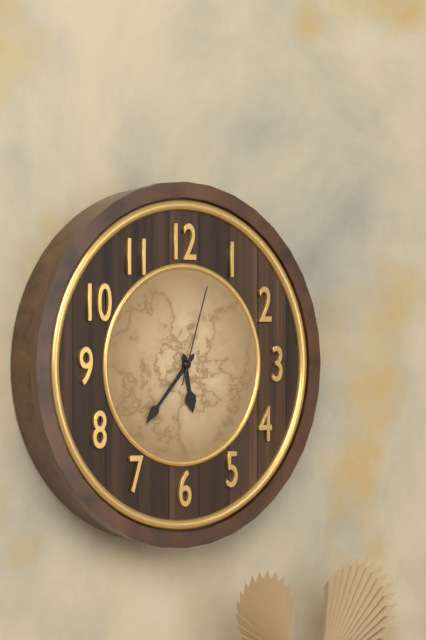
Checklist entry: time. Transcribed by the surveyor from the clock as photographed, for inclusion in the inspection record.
5:37:03
